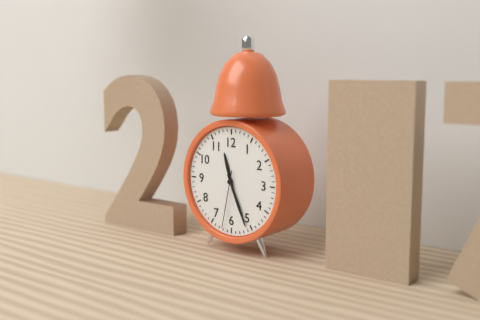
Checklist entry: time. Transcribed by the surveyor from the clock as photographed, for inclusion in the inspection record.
11:26:32
